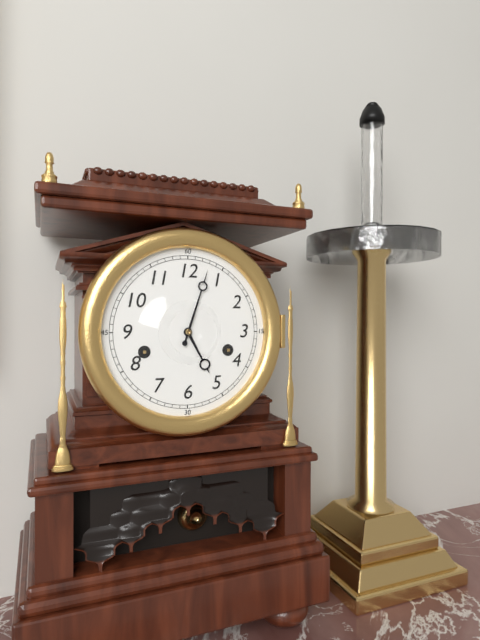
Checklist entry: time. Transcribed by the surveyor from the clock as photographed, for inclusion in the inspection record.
5:03
